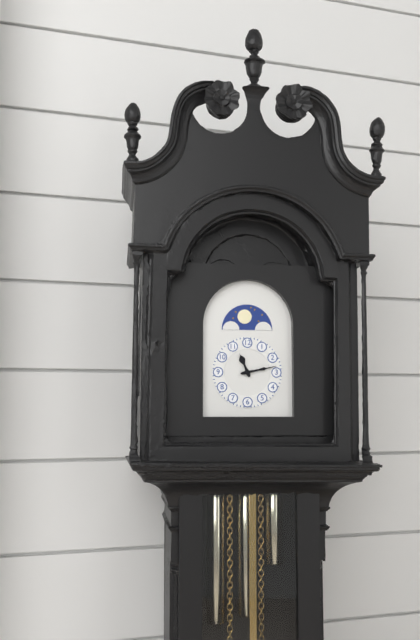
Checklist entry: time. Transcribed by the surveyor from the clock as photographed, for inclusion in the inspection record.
11:13
